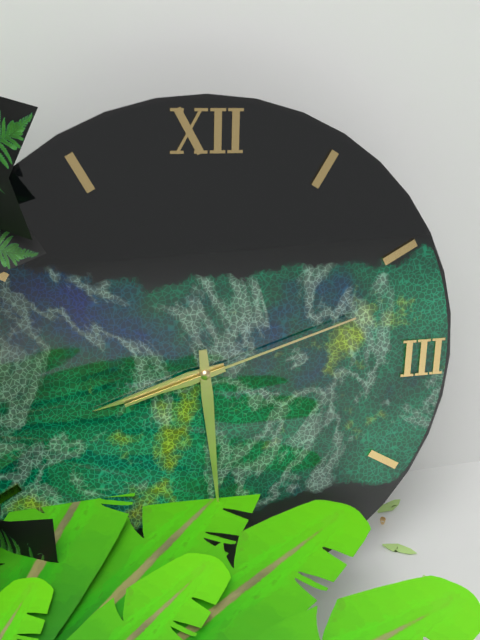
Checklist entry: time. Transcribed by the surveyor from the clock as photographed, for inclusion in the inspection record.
8:29:12
